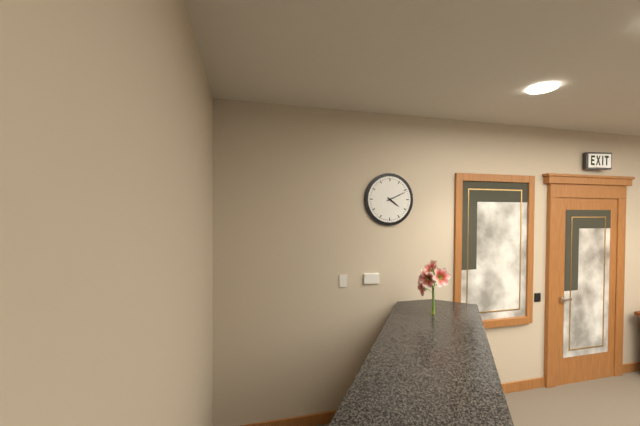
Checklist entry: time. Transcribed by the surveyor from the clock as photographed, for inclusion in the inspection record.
4:11
